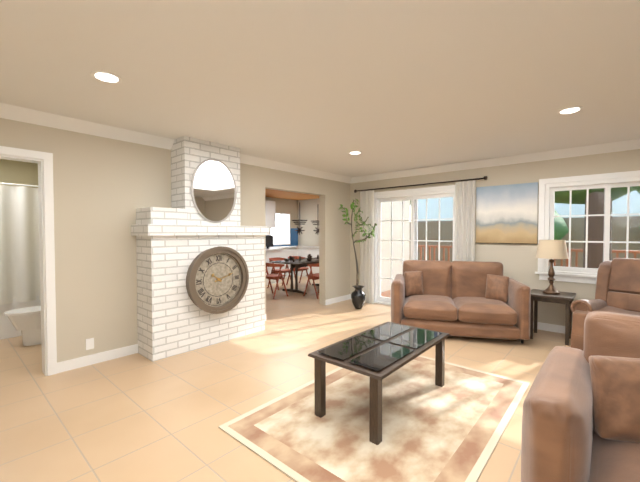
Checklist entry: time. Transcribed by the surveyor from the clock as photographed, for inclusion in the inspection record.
10:12
